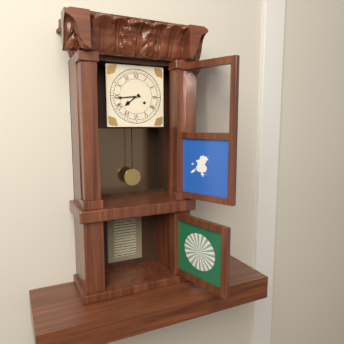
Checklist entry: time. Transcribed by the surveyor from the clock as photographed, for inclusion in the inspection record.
7:44
